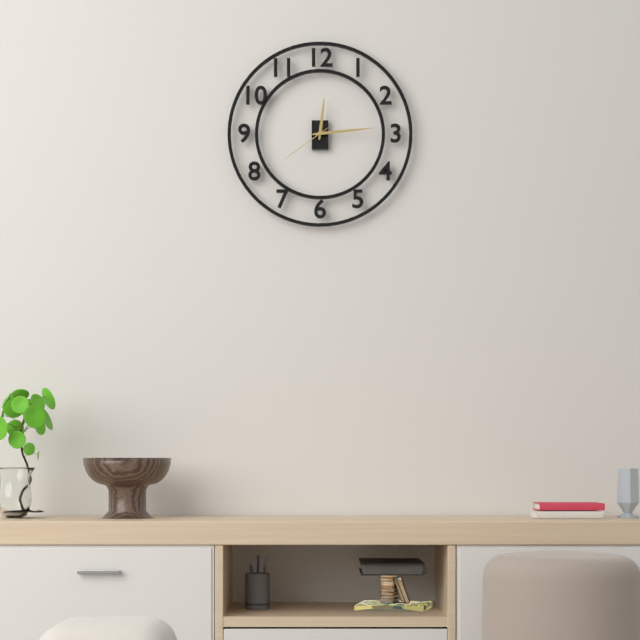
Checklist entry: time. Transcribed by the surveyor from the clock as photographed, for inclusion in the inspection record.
12:14:39
